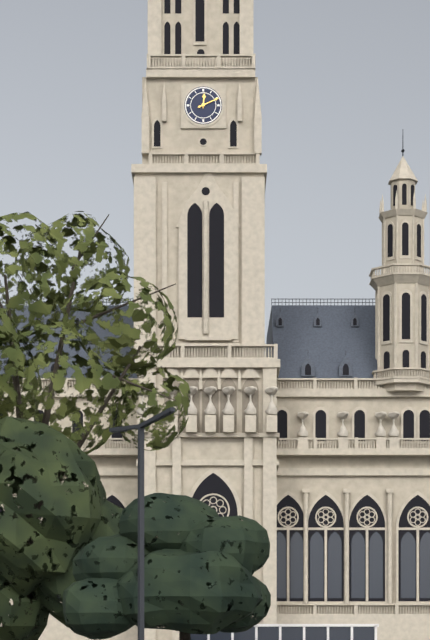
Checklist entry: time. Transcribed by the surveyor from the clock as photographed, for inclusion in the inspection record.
12:11
